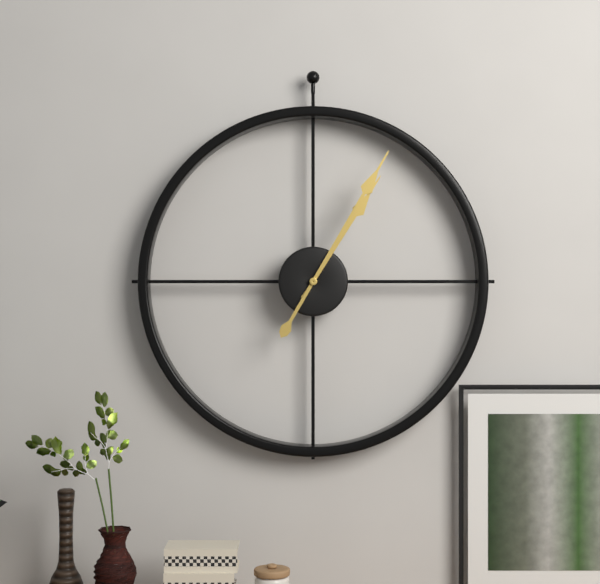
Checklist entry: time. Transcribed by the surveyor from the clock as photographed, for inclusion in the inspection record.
1:05
